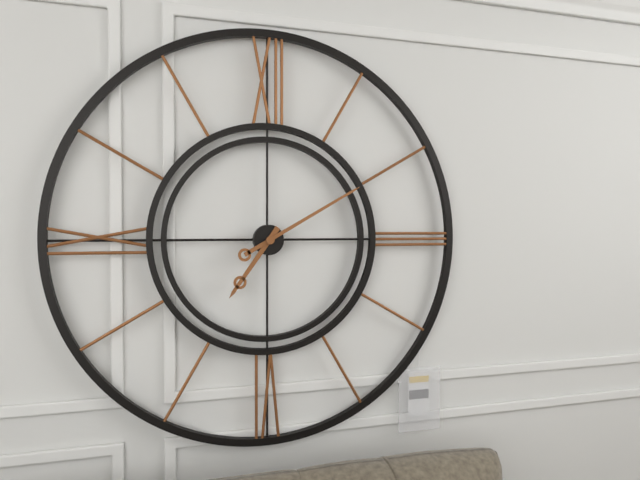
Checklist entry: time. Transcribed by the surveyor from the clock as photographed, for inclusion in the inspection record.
7:10
